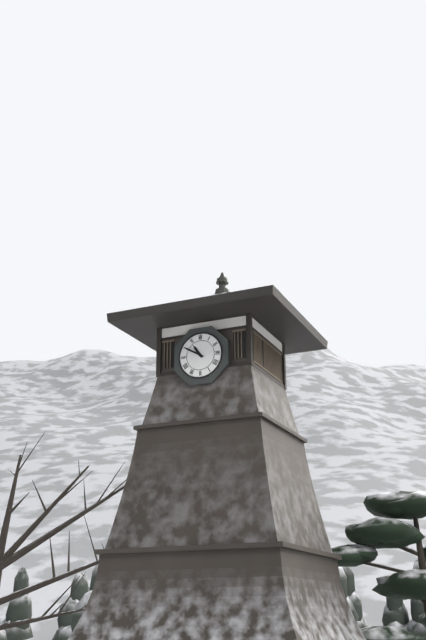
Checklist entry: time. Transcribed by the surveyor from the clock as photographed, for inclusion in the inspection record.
10:50
